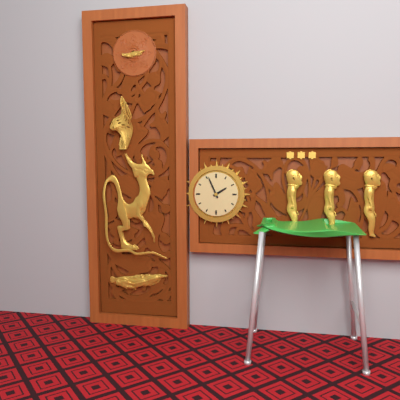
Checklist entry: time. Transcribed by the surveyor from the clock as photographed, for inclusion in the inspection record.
1:56
